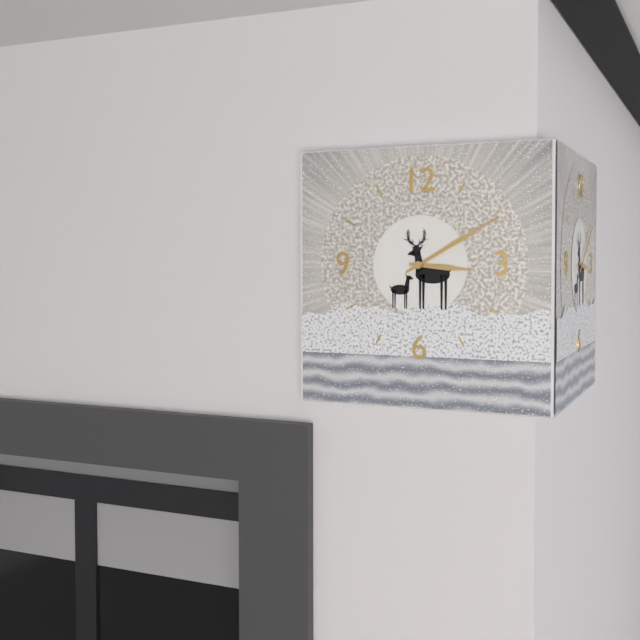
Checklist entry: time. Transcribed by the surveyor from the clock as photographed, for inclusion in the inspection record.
3:10
